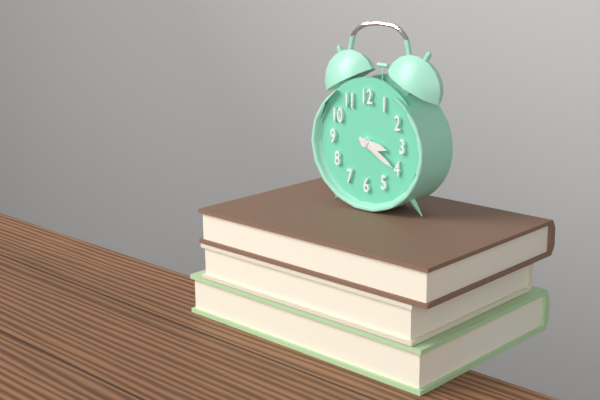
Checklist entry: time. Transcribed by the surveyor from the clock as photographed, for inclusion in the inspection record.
3:20
